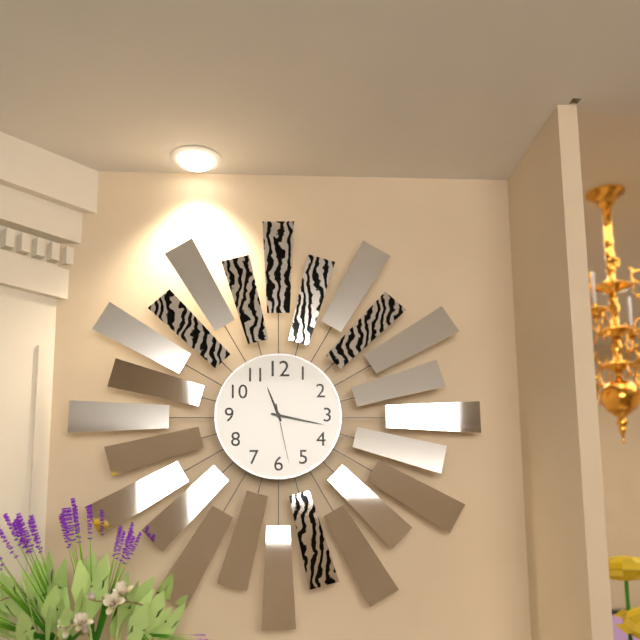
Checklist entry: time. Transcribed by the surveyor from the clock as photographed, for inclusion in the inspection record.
11:17:28
